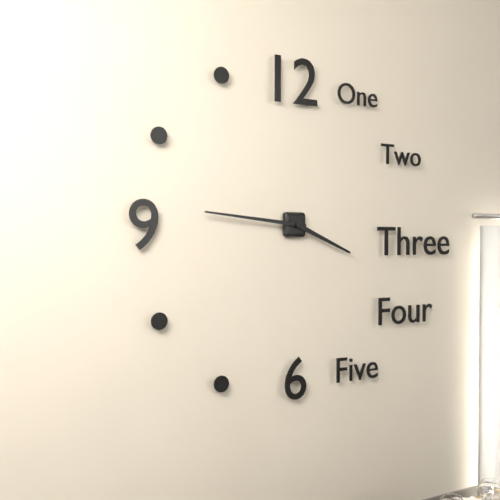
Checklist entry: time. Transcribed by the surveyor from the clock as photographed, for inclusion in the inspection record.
3:46
